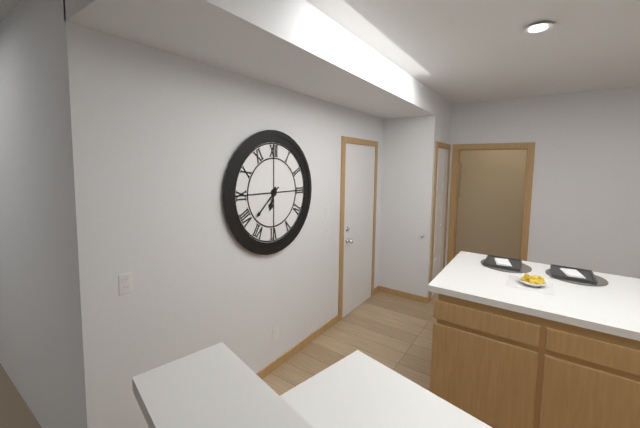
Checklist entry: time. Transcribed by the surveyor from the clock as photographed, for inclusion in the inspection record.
6:38
